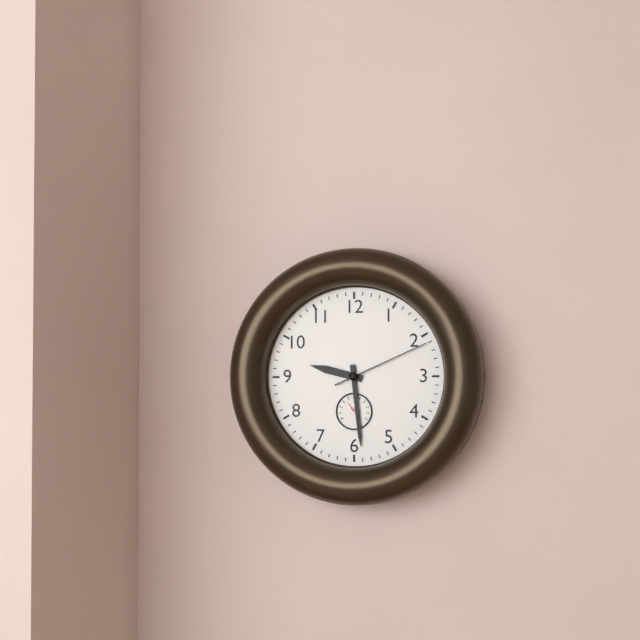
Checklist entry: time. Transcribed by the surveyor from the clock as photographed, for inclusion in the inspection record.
9:29:11
